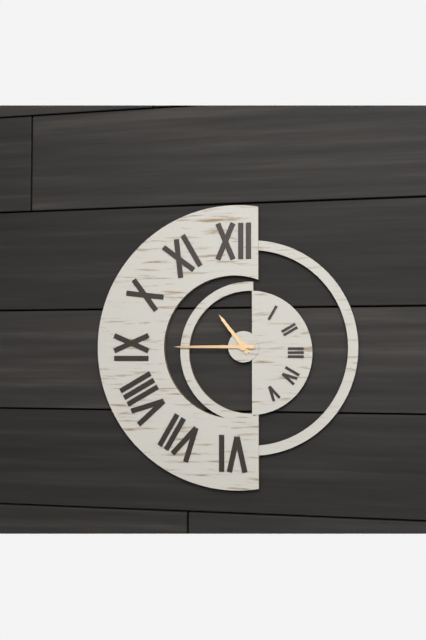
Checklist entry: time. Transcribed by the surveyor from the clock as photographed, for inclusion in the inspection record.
10:45
